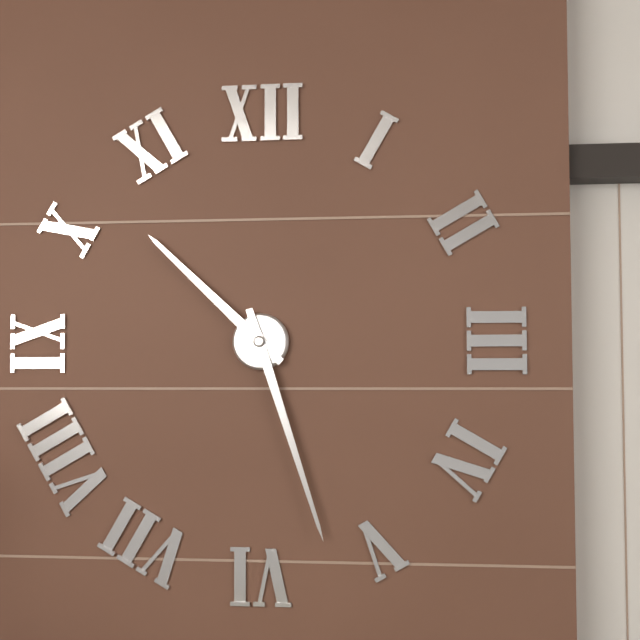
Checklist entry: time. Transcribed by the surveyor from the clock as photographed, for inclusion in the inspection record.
10:27
